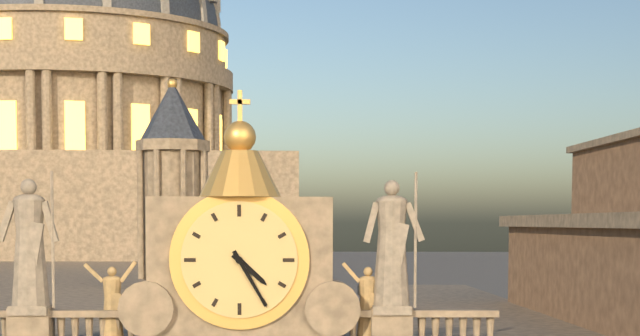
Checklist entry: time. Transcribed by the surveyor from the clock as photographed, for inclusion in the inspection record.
4:25
